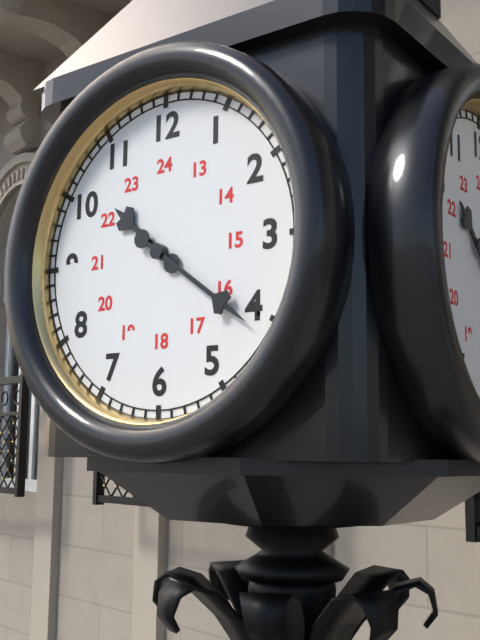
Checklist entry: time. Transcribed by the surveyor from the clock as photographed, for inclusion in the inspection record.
10:21
